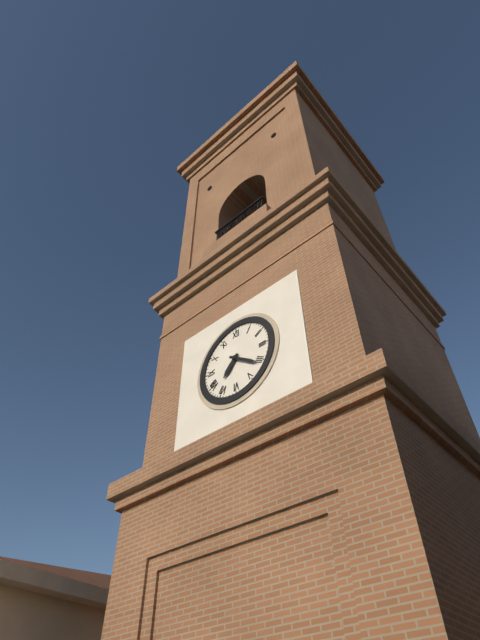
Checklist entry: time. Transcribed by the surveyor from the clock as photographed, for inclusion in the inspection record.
7:21
